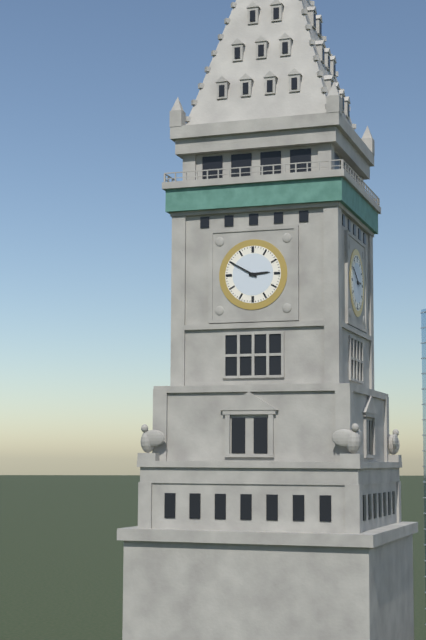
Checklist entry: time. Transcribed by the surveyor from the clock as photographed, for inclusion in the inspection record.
2:50
